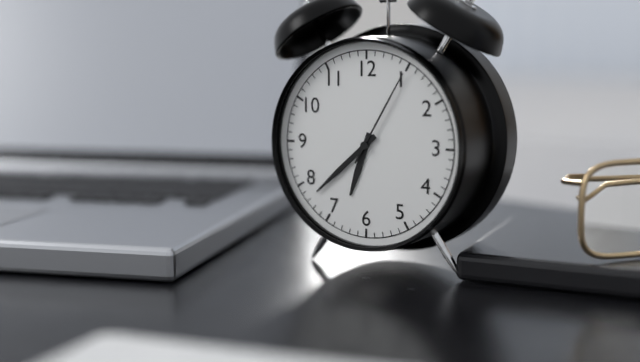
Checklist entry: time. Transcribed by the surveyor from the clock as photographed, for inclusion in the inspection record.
6:38:05
